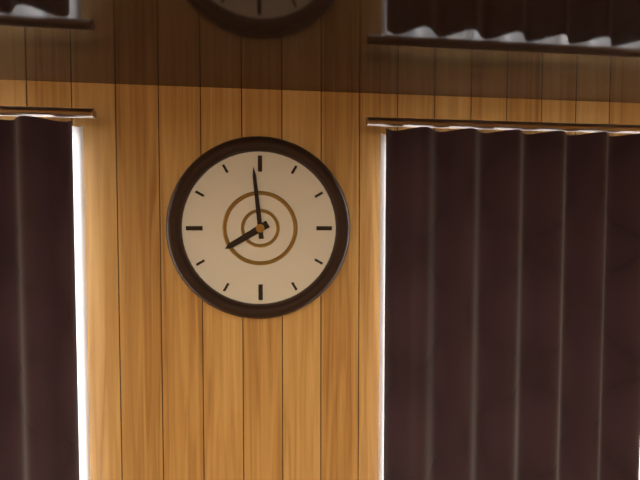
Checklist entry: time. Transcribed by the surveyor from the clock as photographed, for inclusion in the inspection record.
7:59
